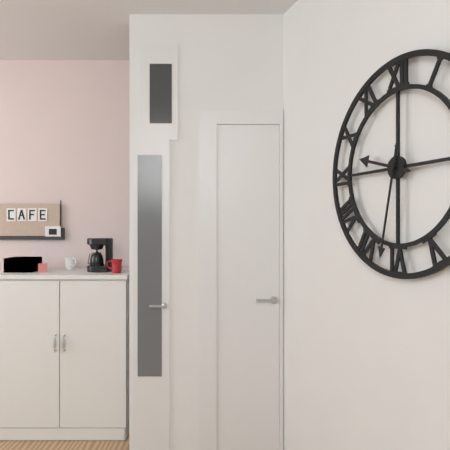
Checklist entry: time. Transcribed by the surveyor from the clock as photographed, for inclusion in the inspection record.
9:32
